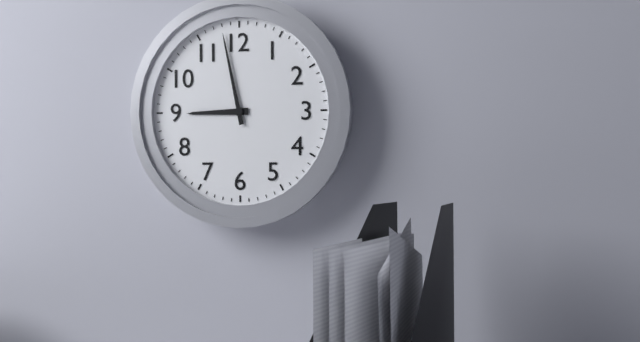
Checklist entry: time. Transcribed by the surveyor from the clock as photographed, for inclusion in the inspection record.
8:58
